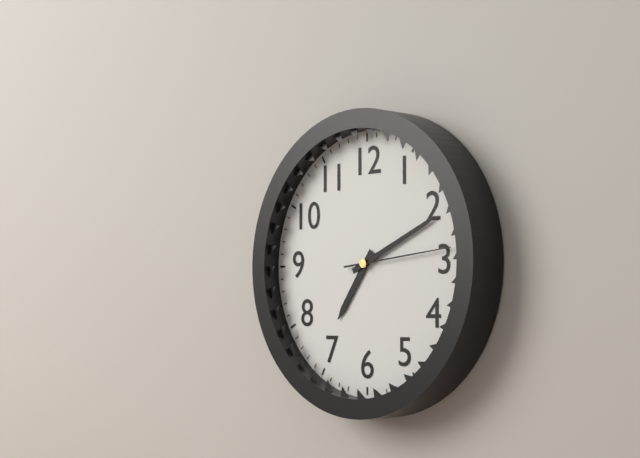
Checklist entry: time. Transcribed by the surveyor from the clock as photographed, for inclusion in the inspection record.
7:11:14
